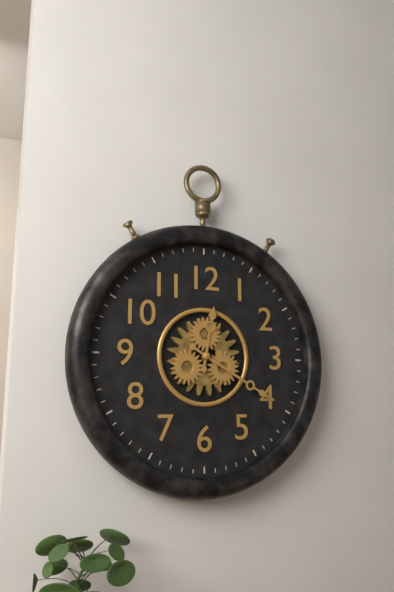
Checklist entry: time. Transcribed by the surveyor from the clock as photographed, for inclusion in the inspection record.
12:20
